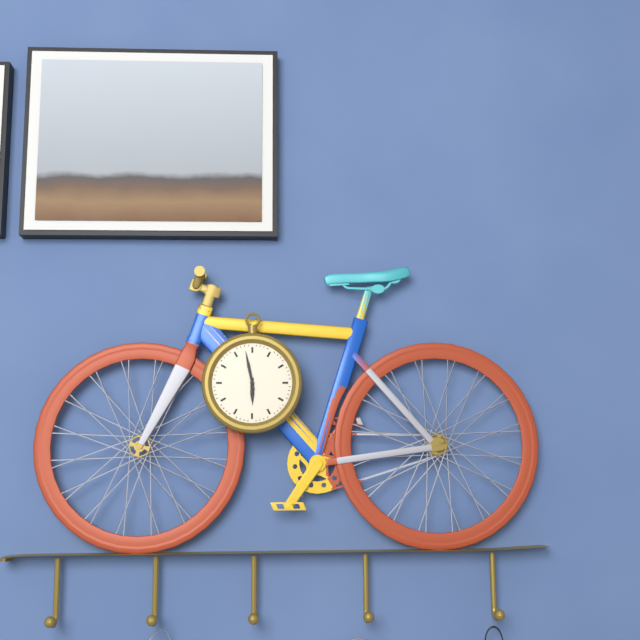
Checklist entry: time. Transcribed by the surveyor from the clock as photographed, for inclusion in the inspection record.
5:58
